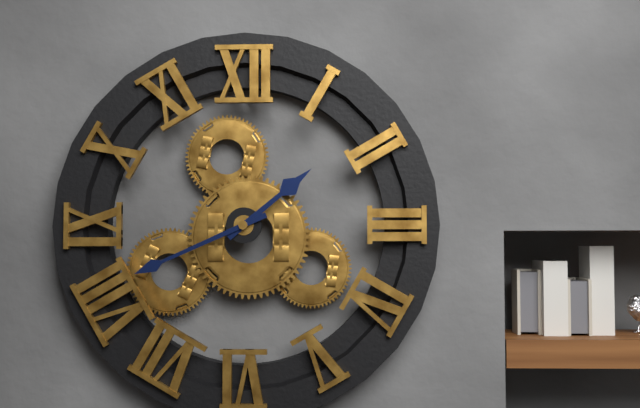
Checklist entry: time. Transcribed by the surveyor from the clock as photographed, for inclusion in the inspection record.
1:41
